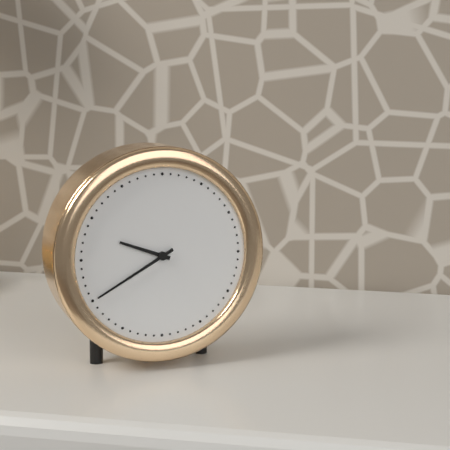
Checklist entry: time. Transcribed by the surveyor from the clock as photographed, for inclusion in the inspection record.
9:40
